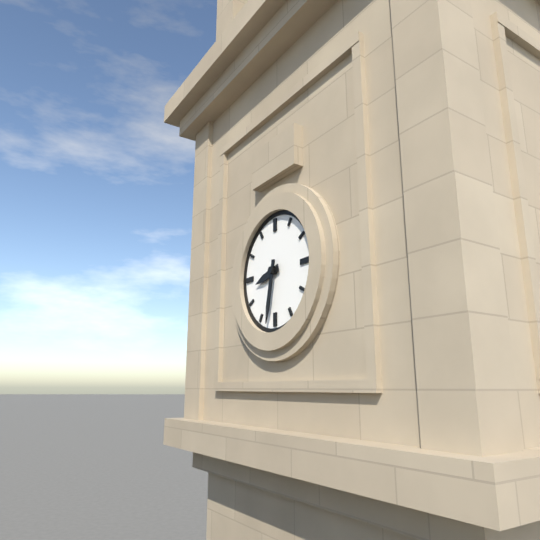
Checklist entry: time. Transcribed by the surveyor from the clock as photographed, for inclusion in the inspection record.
8:32
